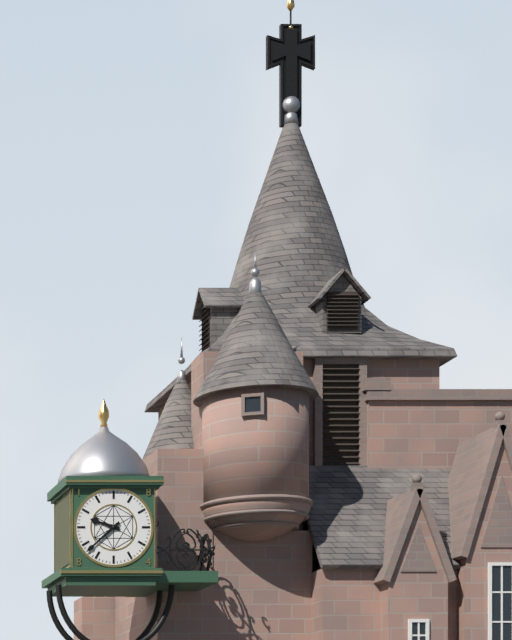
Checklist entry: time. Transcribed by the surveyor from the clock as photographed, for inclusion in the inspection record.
9:38
